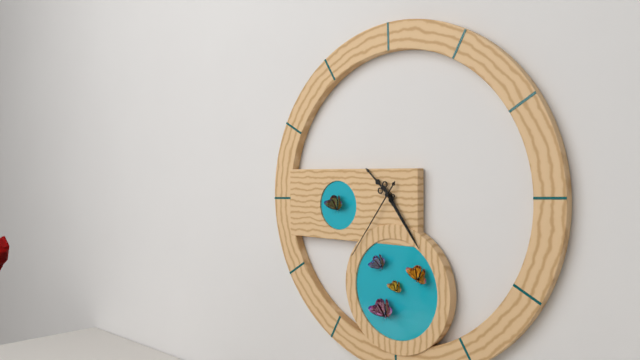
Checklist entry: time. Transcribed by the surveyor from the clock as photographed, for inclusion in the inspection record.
10:24:36
